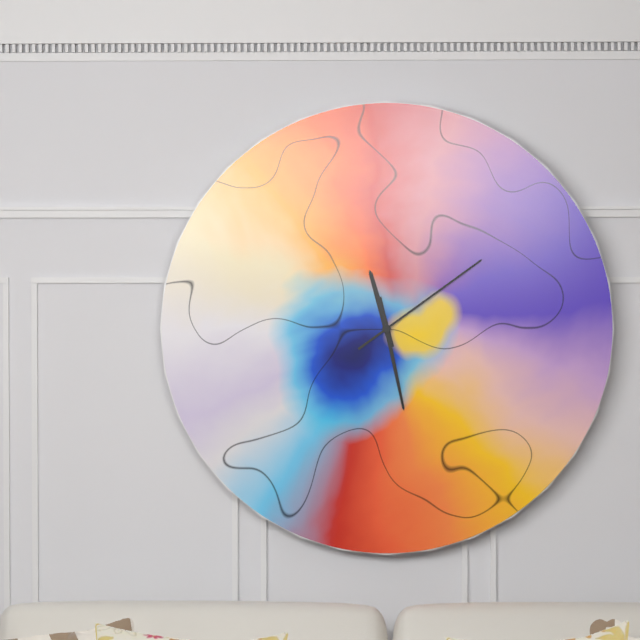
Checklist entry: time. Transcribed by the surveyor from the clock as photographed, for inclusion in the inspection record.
11:28:09
